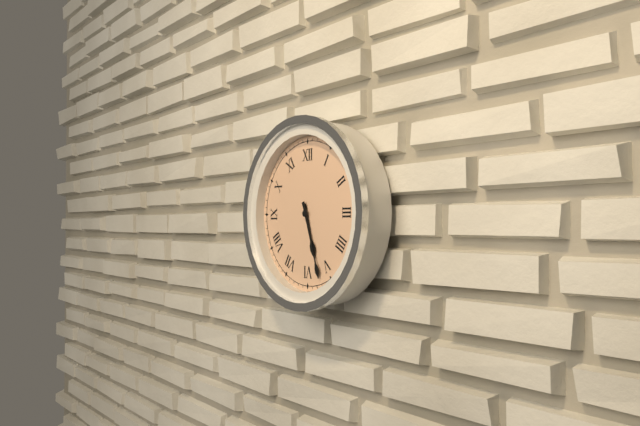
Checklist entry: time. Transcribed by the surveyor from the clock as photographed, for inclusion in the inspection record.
5:27
